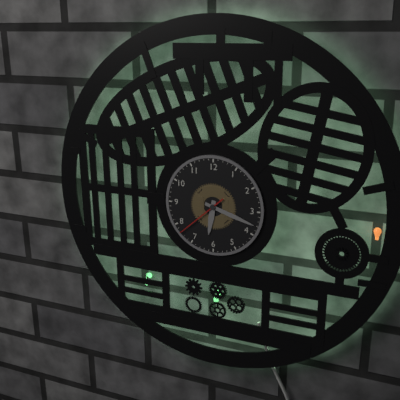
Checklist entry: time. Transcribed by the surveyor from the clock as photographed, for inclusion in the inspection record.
6:18:38
